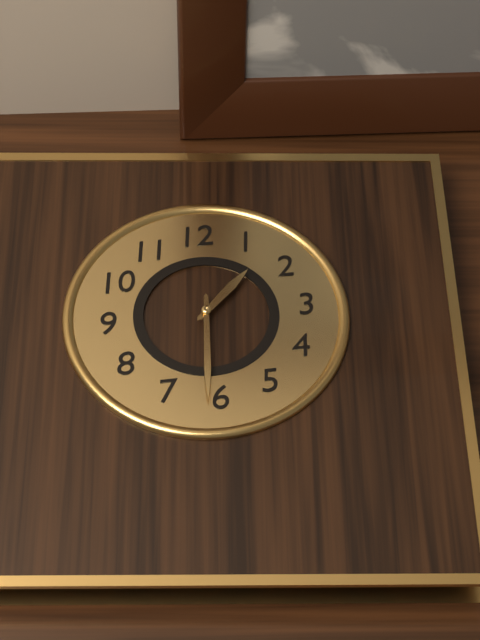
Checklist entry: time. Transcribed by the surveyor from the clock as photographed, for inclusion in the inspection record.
1:31
